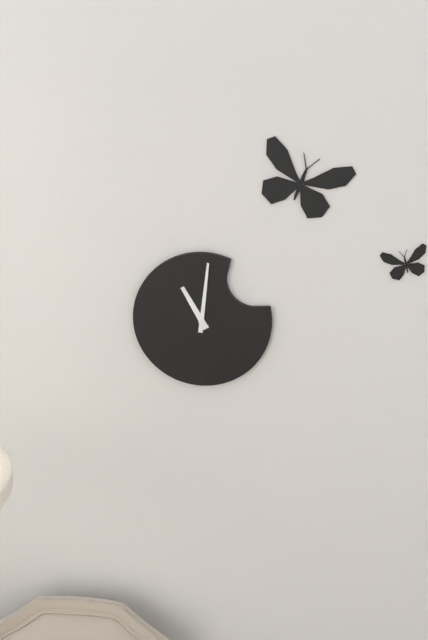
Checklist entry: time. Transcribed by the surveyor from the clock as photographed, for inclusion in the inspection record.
11:01
